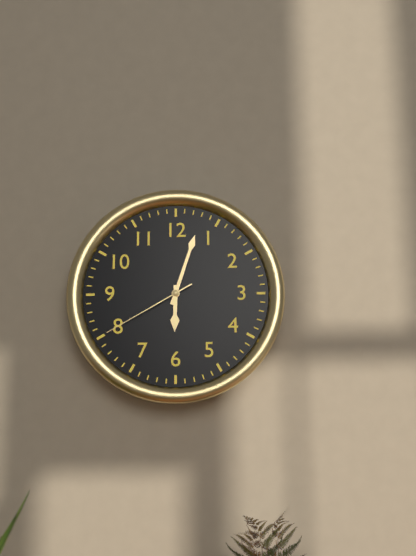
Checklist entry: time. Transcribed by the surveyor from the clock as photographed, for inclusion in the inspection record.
6:03:40
